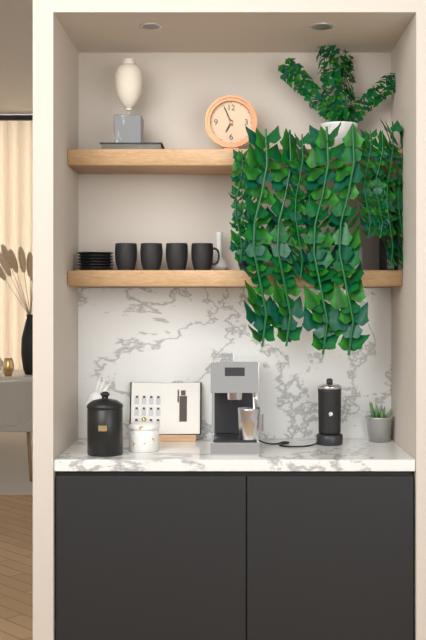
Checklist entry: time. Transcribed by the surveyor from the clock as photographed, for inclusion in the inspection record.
6:56
